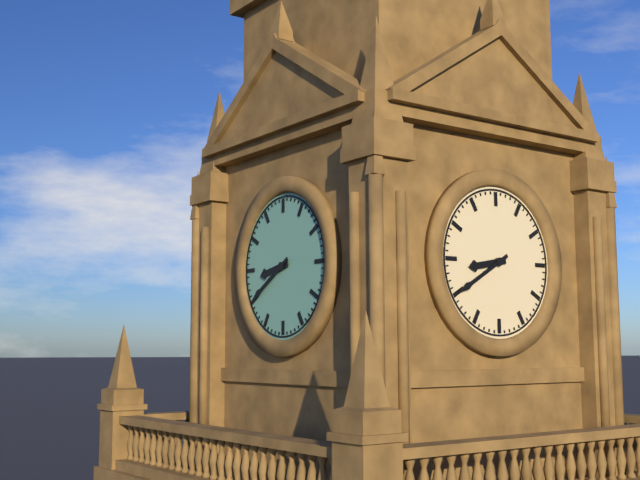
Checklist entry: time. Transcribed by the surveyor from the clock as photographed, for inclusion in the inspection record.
8:40
